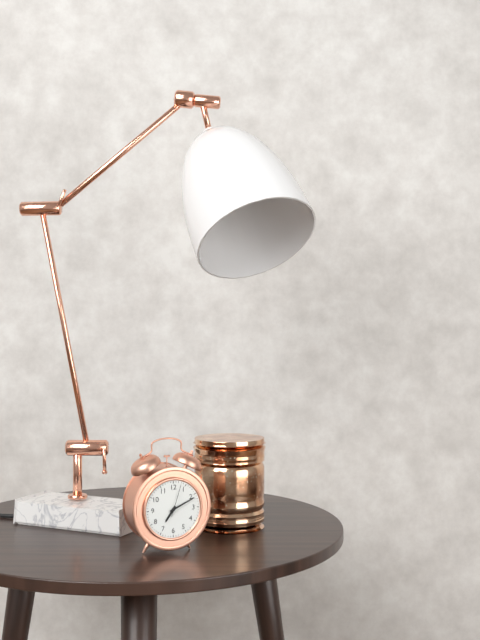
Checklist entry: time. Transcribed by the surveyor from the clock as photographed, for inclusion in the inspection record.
7:11
